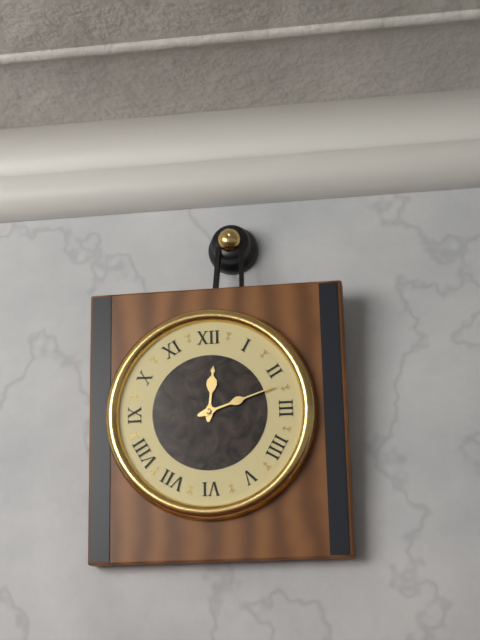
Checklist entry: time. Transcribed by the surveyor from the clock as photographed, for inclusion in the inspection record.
12:12
